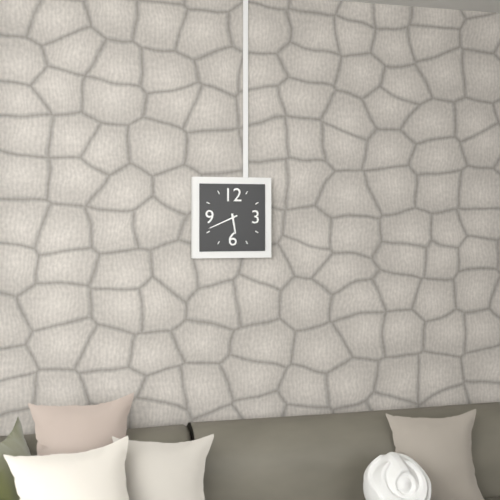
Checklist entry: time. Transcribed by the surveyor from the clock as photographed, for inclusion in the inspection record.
5:41
